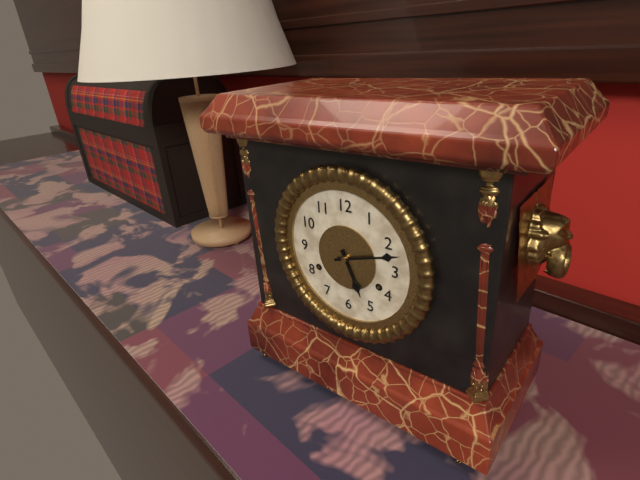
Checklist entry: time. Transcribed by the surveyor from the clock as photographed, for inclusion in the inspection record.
5:12
